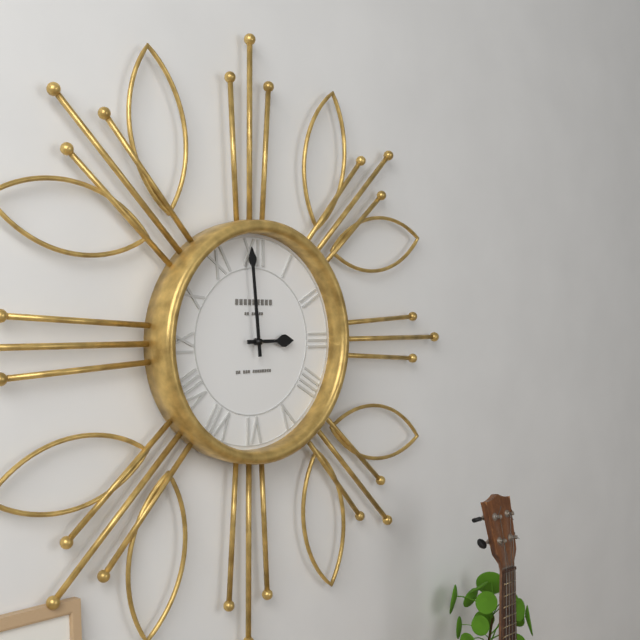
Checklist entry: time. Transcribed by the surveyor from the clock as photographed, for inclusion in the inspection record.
2:59
